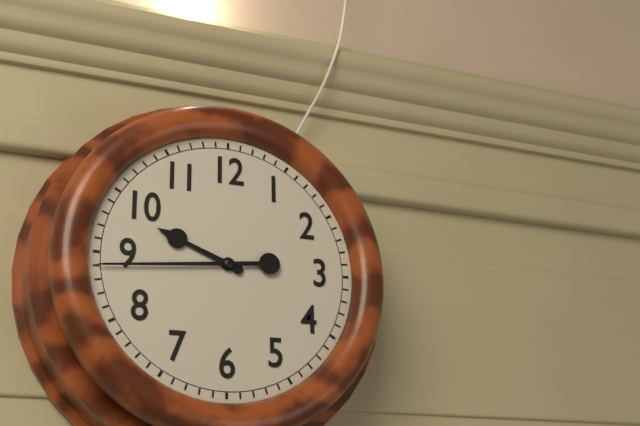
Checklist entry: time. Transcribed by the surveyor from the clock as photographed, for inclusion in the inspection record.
9:44
